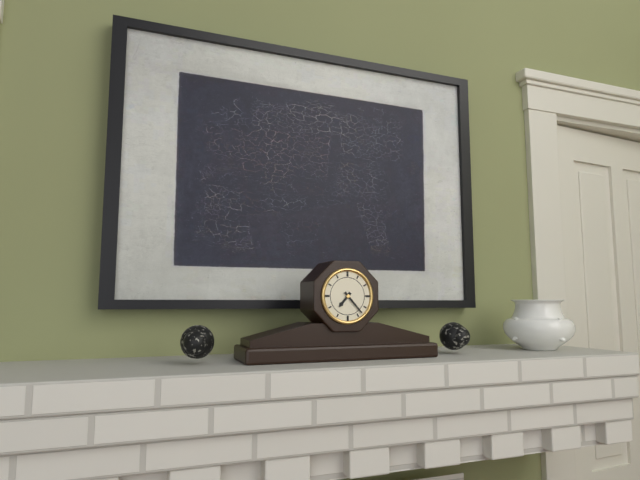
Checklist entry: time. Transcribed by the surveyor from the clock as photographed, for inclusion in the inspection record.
7:23
